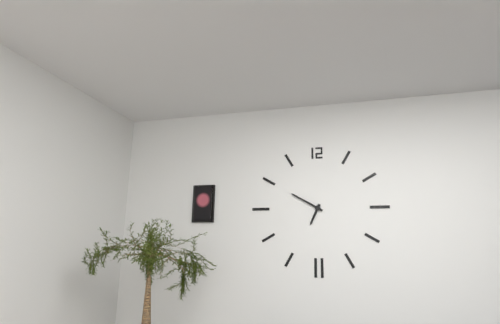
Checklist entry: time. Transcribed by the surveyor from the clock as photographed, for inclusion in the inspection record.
6:50
